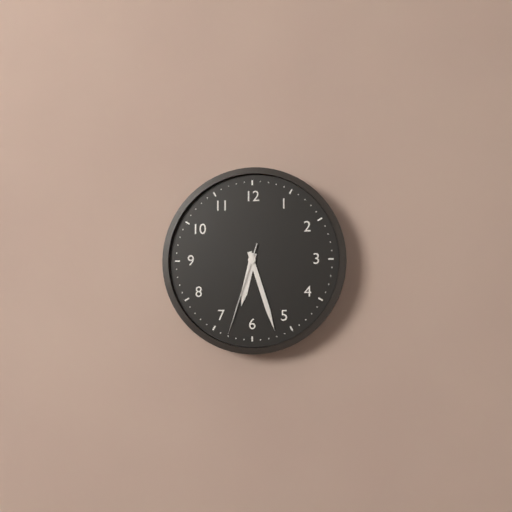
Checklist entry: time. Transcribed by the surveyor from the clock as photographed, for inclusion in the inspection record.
6:27:33
